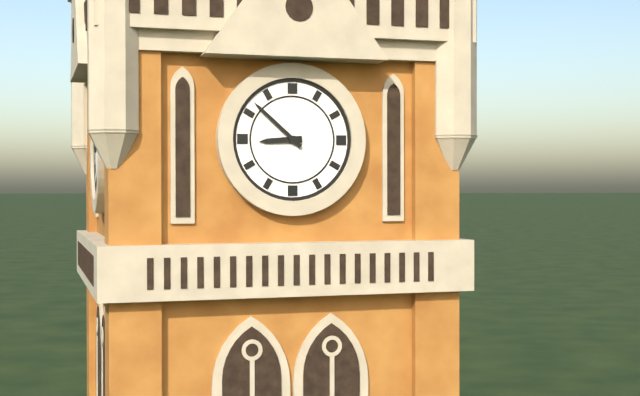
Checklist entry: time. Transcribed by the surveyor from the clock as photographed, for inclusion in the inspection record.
8:52
